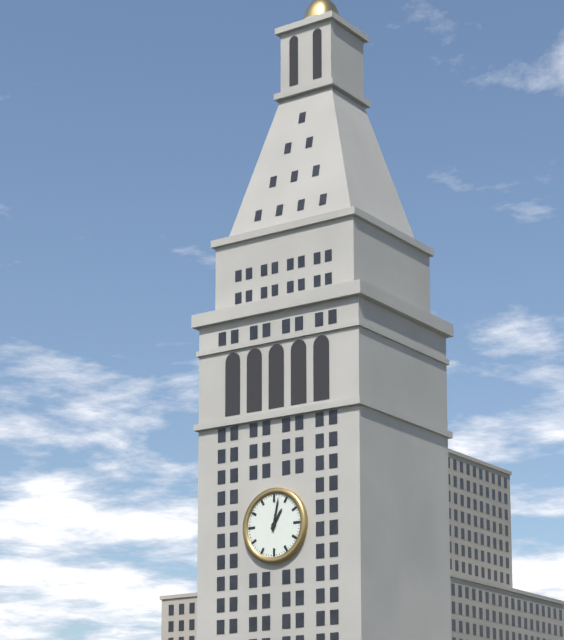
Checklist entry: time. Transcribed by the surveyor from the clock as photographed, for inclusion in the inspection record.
1:02
